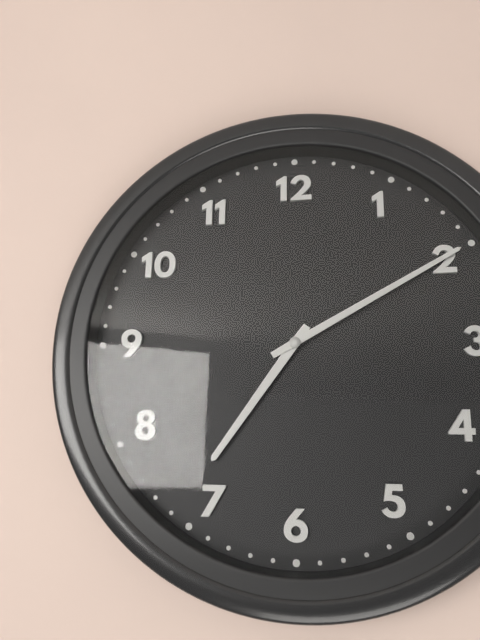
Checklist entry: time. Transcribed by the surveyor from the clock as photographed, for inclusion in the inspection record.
7:10
